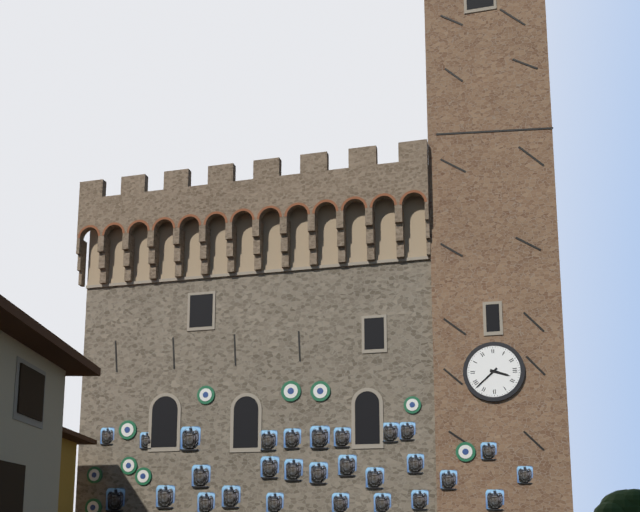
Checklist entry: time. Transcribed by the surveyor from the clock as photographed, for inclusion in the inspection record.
3:38
